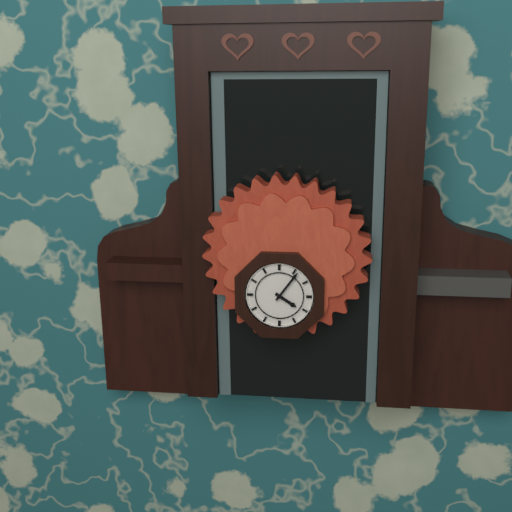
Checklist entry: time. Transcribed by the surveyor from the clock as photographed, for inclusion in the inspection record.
4:06
